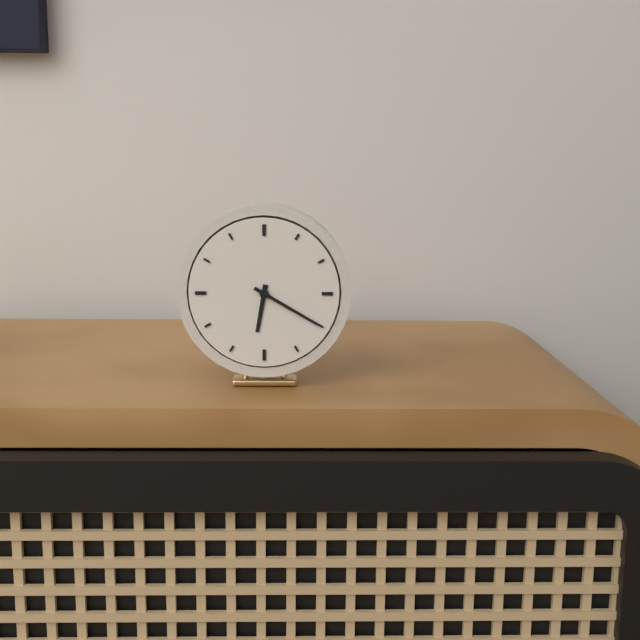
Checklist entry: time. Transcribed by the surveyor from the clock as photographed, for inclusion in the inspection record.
6:20
